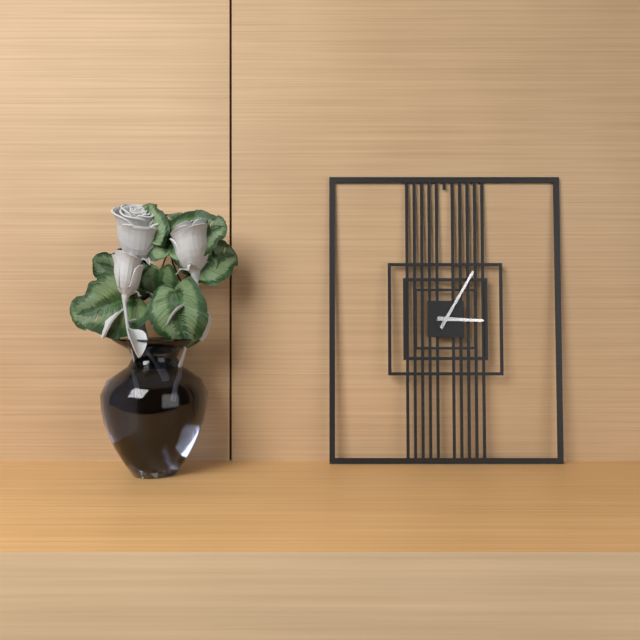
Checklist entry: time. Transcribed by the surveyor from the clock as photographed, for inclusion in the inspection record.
3:05
